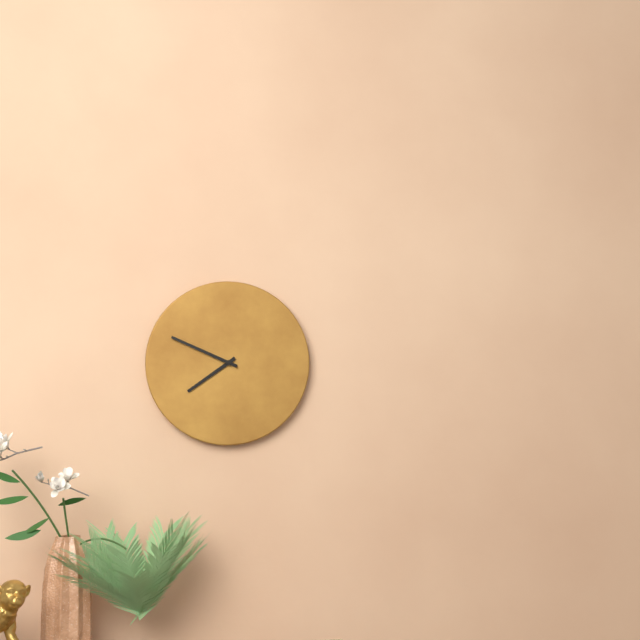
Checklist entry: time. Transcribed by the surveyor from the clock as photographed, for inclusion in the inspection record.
7:49
